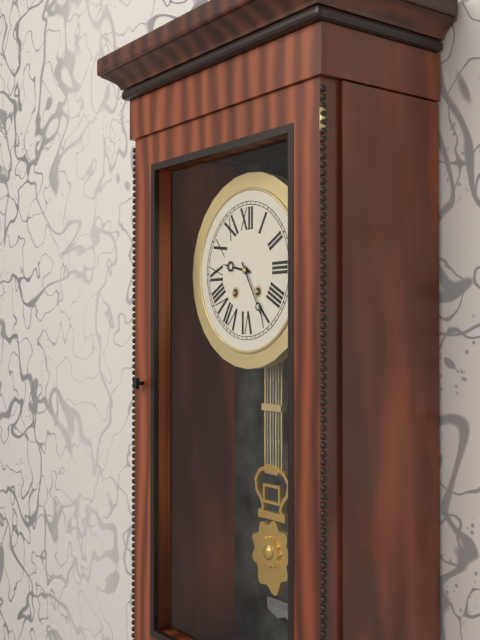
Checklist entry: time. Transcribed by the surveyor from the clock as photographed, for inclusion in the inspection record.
9:25
